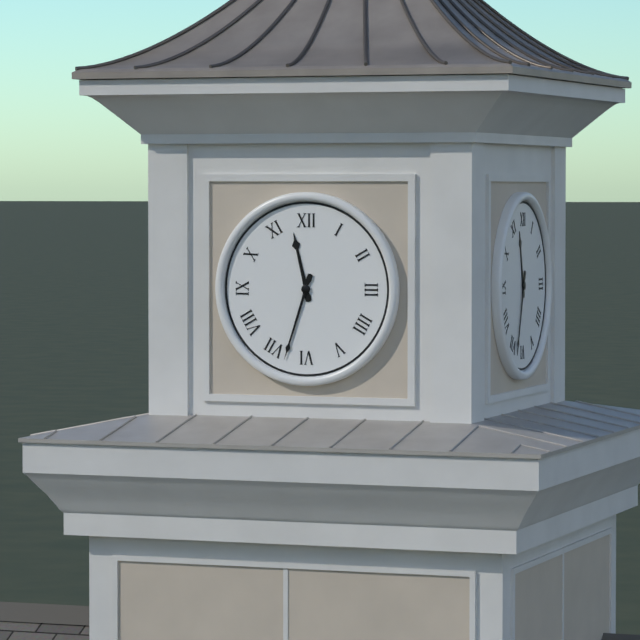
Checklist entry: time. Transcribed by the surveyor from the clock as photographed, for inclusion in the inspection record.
11:33
